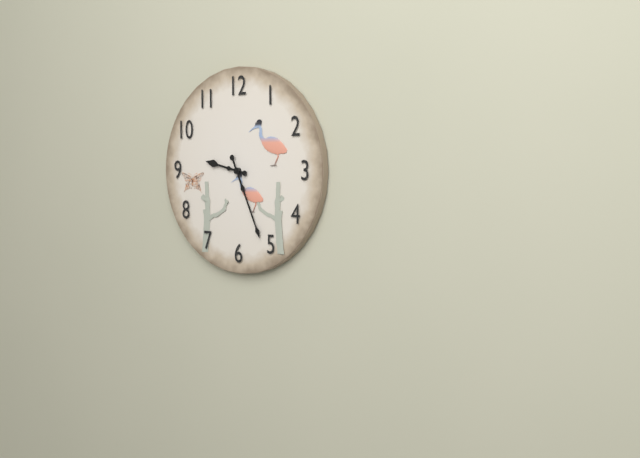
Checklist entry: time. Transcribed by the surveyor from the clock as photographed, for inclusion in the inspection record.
9:26
